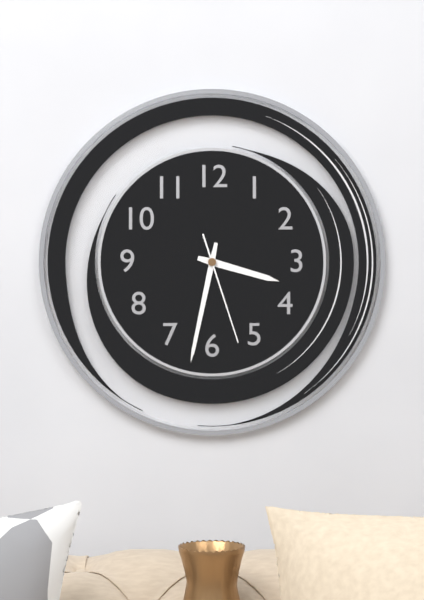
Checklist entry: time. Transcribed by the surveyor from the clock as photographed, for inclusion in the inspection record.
3:32:27
